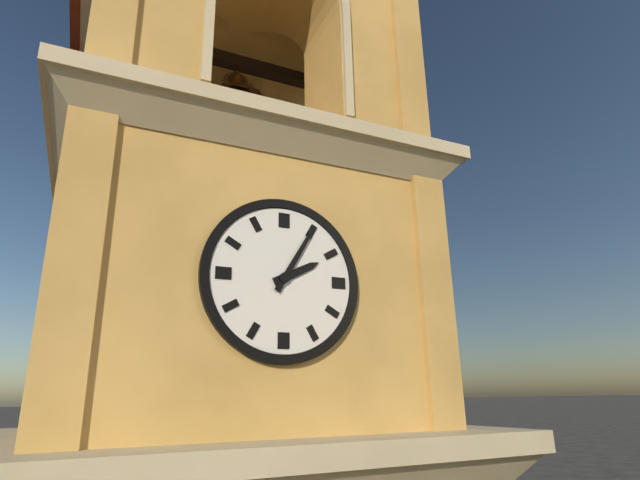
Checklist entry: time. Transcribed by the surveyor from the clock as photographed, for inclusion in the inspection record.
2:05
